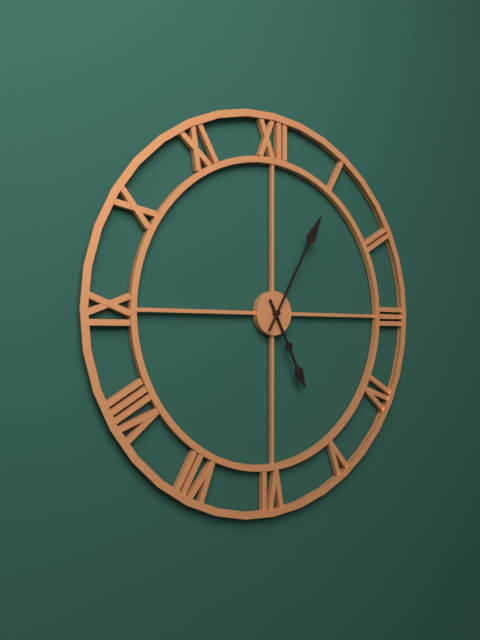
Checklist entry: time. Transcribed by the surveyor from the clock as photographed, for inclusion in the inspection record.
5:05
